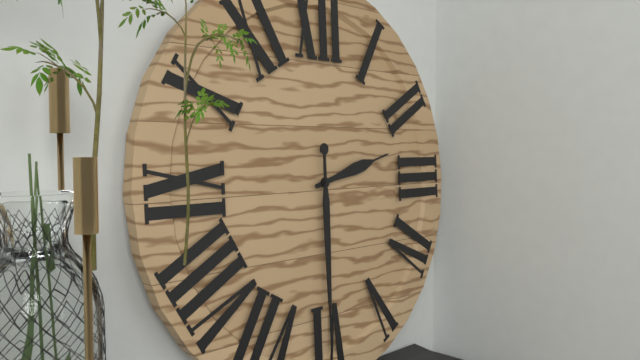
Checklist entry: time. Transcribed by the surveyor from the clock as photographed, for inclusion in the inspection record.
2:30
